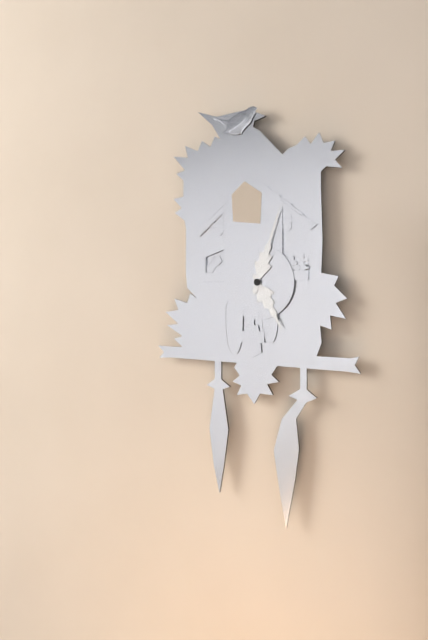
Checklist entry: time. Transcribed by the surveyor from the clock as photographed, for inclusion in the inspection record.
5:03
